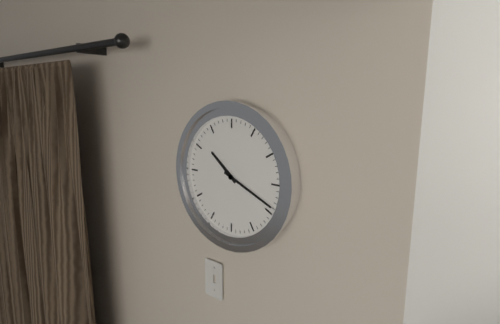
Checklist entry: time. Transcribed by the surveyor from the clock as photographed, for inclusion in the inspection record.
10:19
